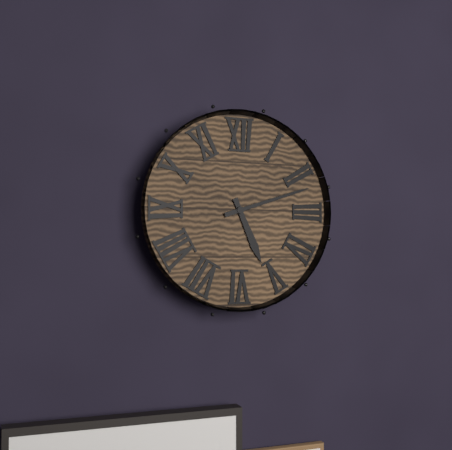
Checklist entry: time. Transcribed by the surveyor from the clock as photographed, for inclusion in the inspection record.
5:12
